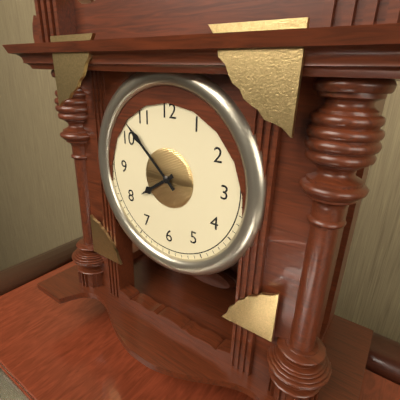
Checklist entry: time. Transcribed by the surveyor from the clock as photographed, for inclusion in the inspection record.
7:52
